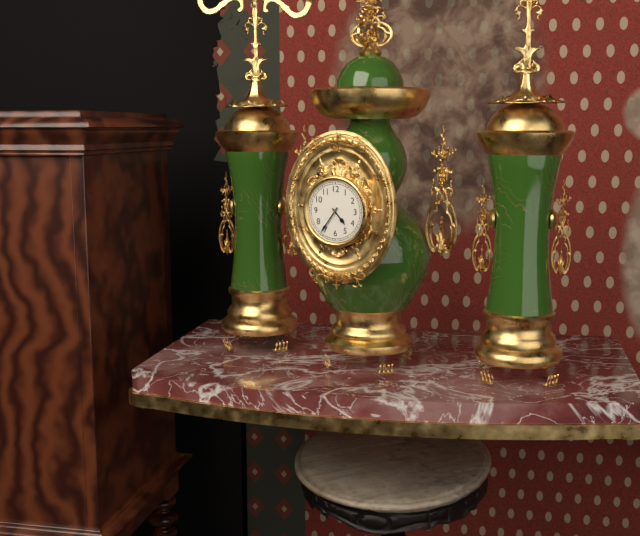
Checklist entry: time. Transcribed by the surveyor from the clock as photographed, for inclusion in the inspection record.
4:36
